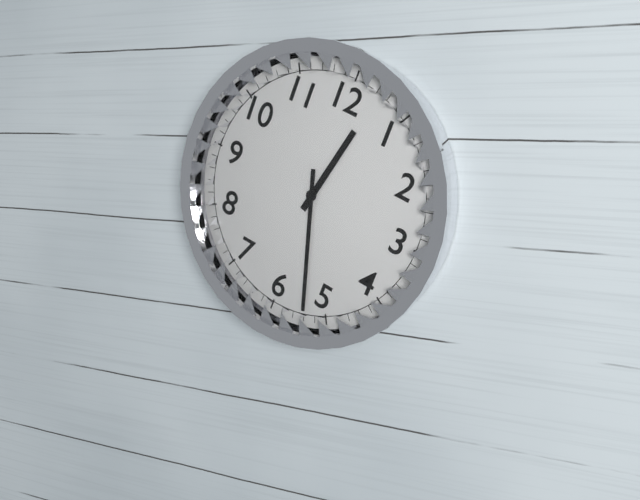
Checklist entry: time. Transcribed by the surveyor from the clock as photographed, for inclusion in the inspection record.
12:27
